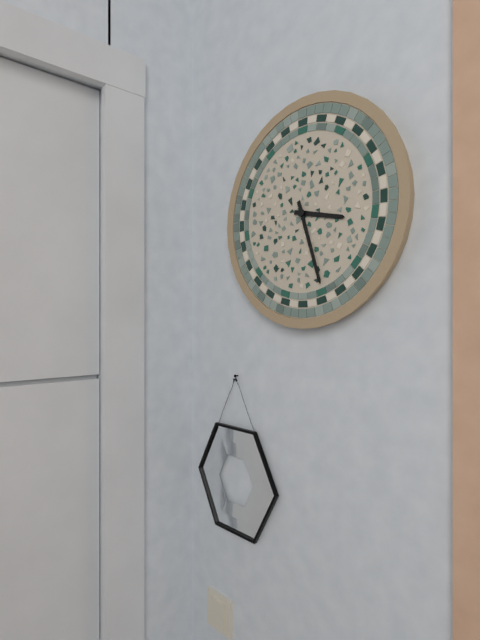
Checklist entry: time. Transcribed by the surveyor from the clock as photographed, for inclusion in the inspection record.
3:27
